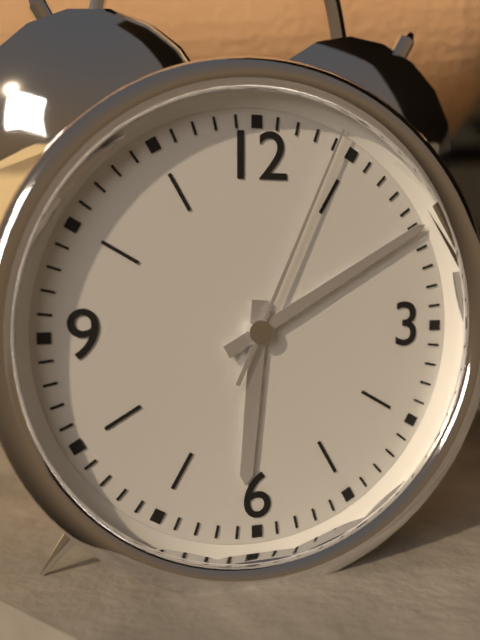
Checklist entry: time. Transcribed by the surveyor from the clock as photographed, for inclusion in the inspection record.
6:10:04
